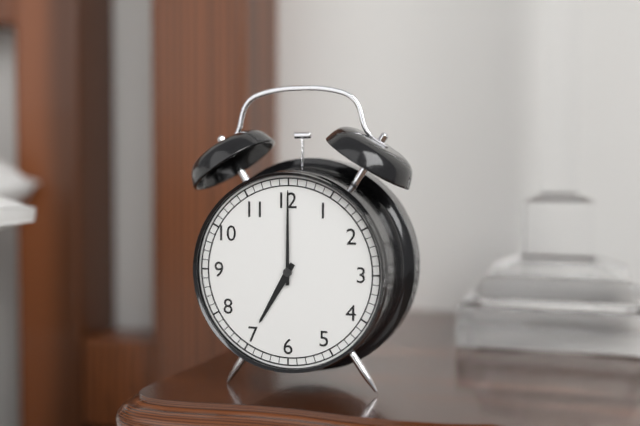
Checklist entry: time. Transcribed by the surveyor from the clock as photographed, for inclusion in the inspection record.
7:00
